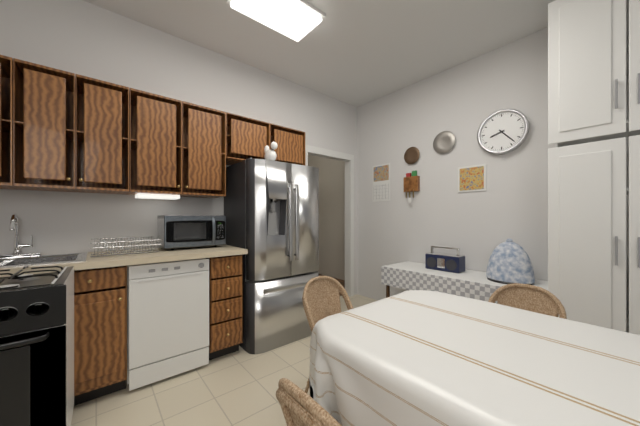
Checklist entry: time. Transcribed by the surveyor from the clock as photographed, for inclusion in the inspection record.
8:23
